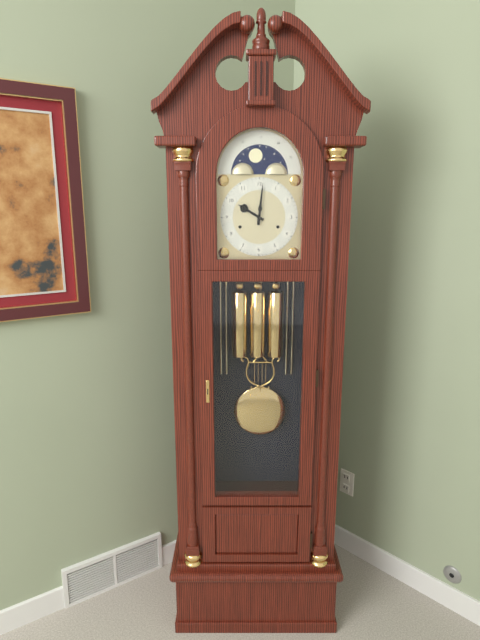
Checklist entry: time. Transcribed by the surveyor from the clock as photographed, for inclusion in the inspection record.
10:01
